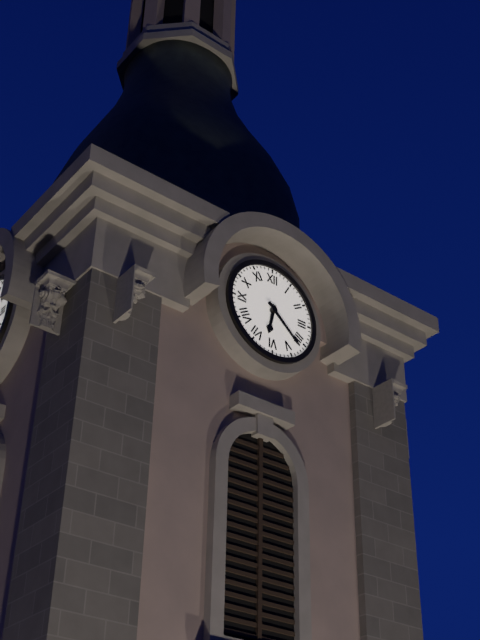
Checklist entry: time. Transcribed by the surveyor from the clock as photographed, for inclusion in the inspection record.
6:22
